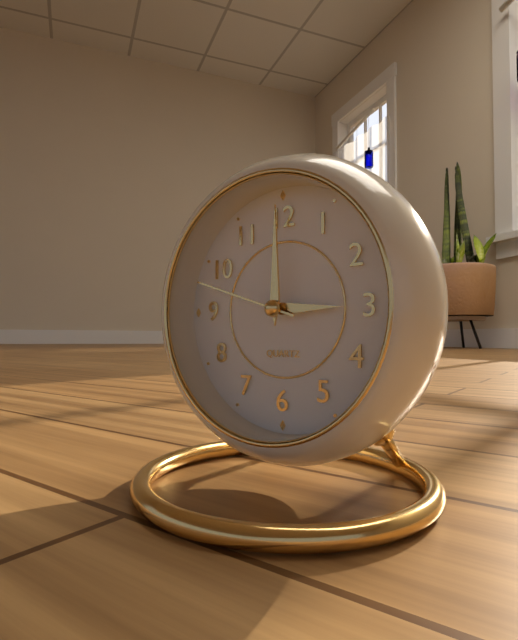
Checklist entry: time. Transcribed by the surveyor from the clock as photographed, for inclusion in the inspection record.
3:00:48
